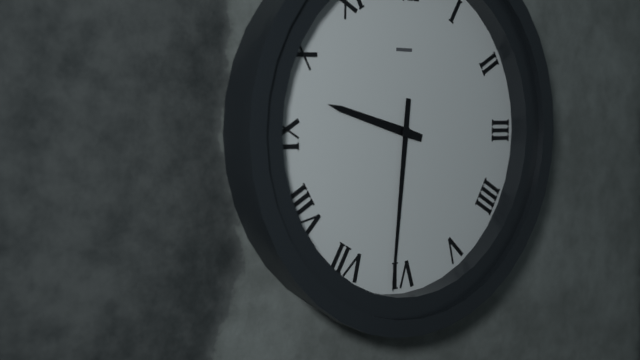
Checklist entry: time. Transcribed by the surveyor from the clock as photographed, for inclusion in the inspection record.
9:31
